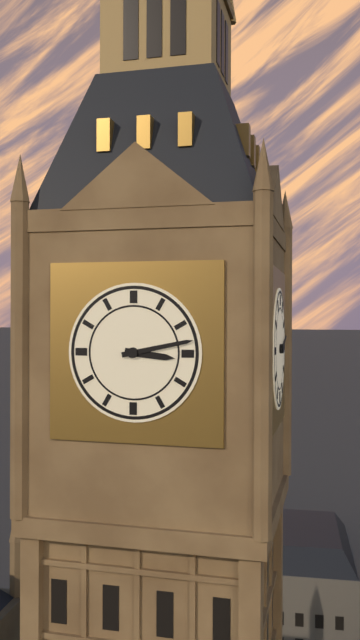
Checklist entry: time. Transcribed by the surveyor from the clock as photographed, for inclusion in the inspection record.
3:13
